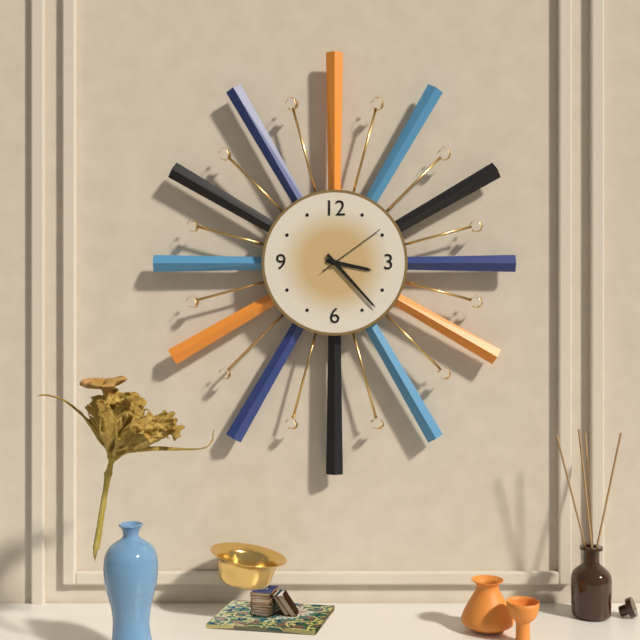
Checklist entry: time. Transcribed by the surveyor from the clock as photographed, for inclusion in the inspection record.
3:23:09
